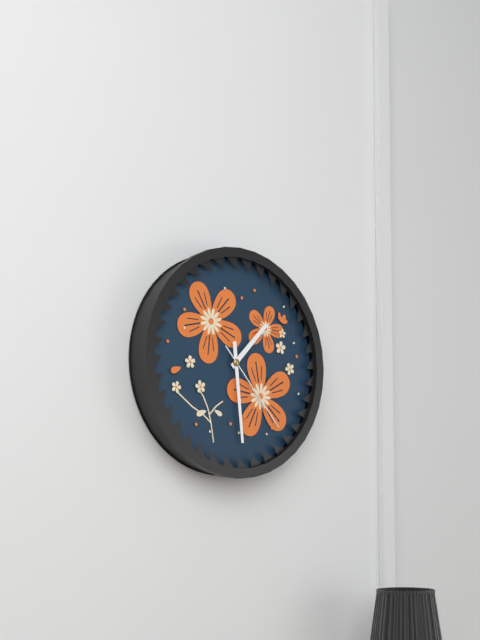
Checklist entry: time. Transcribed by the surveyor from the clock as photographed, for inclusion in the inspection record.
1:29:23
